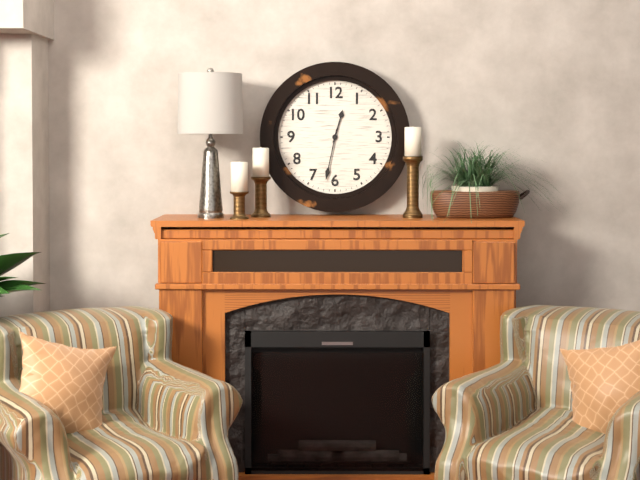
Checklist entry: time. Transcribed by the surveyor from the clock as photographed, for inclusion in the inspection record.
12:32
